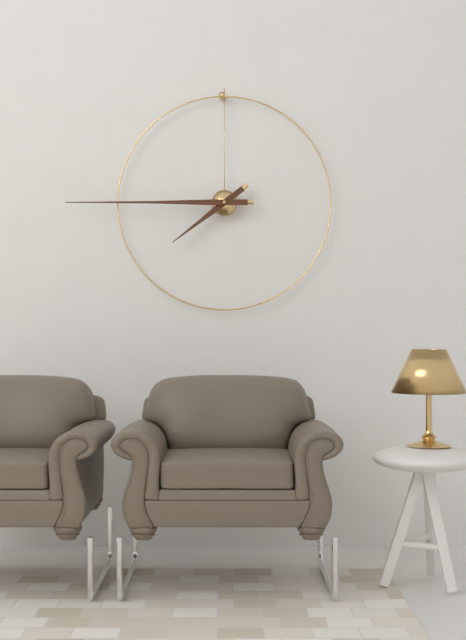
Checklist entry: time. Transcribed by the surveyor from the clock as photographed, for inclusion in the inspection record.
7:45
